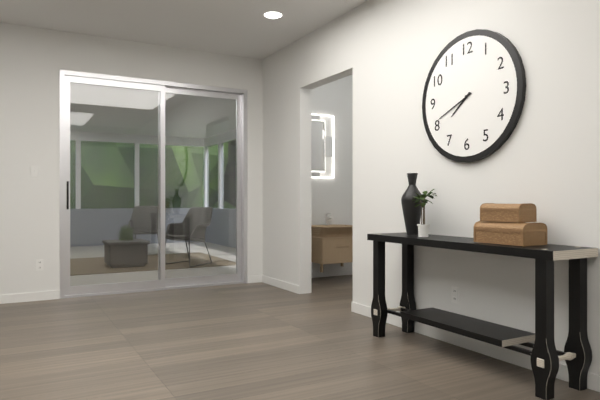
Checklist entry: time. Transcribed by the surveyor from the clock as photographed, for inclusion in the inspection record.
7:41
